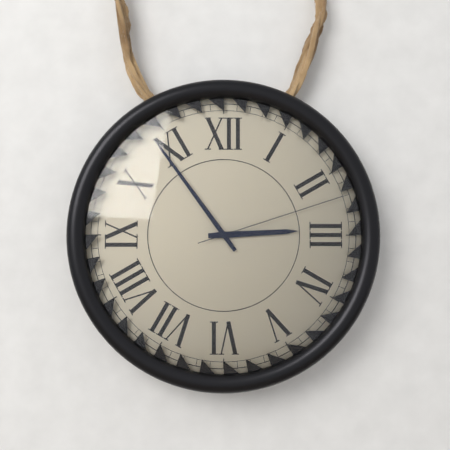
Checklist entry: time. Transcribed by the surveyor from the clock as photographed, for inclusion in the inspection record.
2:54:12
